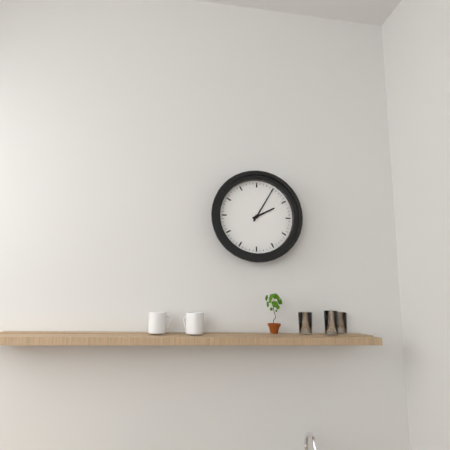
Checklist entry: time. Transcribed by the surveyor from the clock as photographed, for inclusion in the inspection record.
2:05
